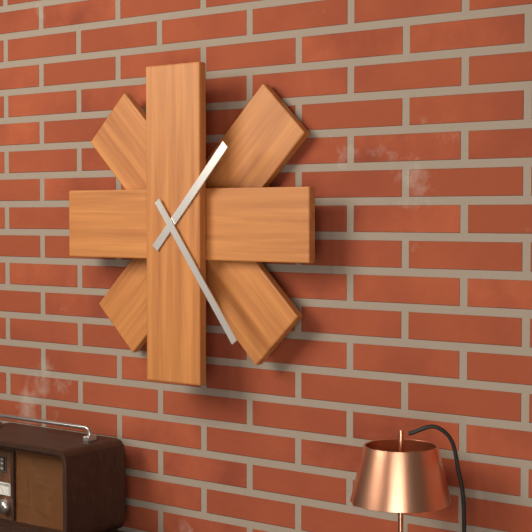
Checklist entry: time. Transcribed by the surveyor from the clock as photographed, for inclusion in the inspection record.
1:24
